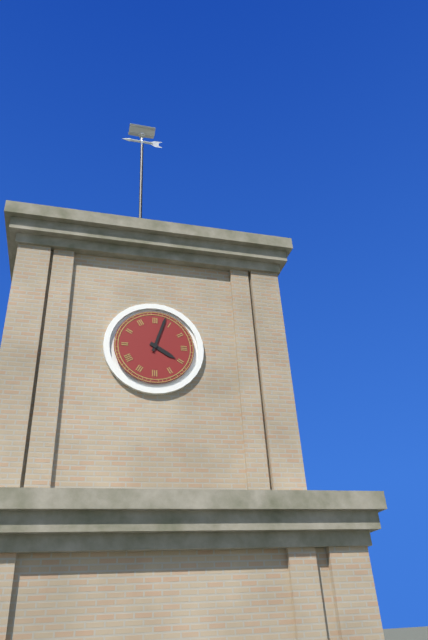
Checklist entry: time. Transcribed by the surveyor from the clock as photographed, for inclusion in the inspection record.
4:03
